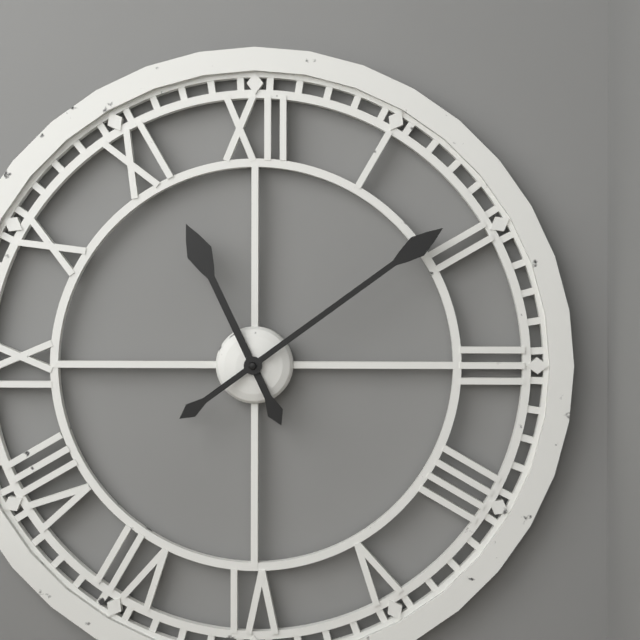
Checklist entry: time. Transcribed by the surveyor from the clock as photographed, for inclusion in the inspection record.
11:09
